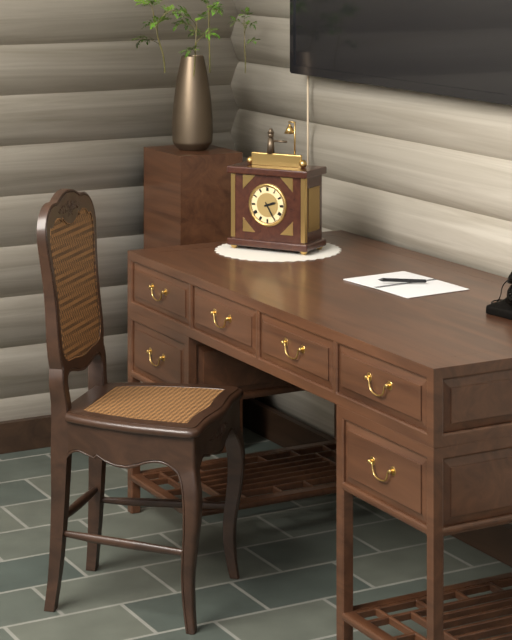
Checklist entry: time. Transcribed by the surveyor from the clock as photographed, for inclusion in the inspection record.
2:25
